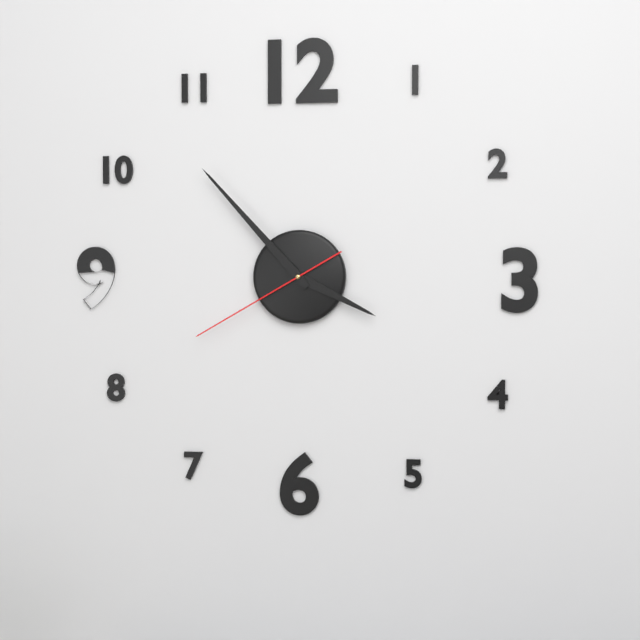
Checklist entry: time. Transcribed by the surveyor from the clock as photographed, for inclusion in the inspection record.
3:53:40
